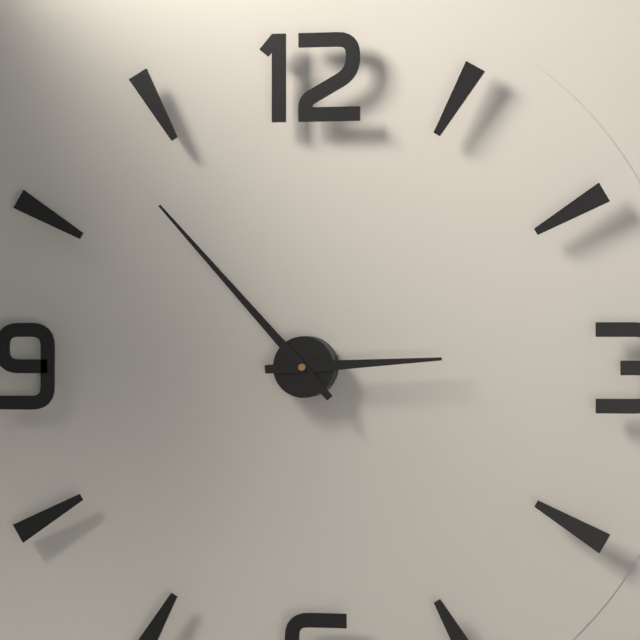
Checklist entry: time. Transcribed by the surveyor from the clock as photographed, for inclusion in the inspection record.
2:53
